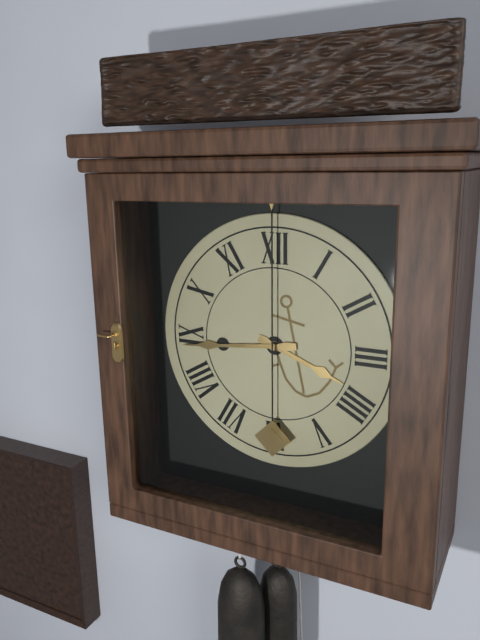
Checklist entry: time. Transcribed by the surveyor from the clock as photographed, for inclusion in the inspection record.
3:44
